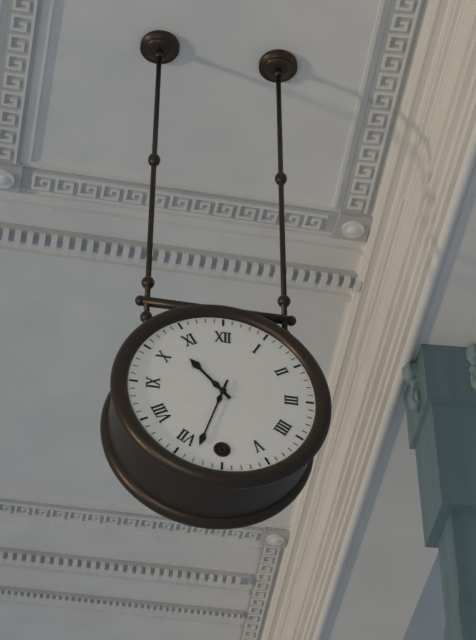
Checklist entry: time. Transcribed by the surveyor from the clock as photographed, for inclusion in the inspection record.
10:33
